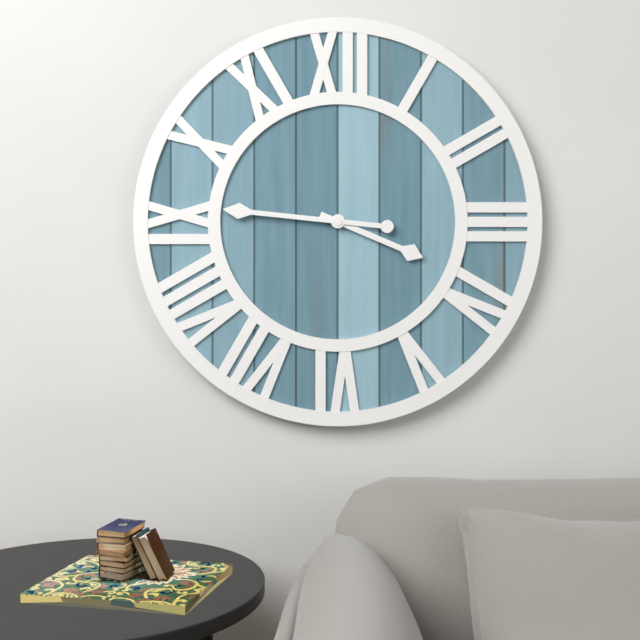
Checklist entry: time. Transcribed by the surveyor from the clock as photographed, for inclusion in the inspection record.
3:46
